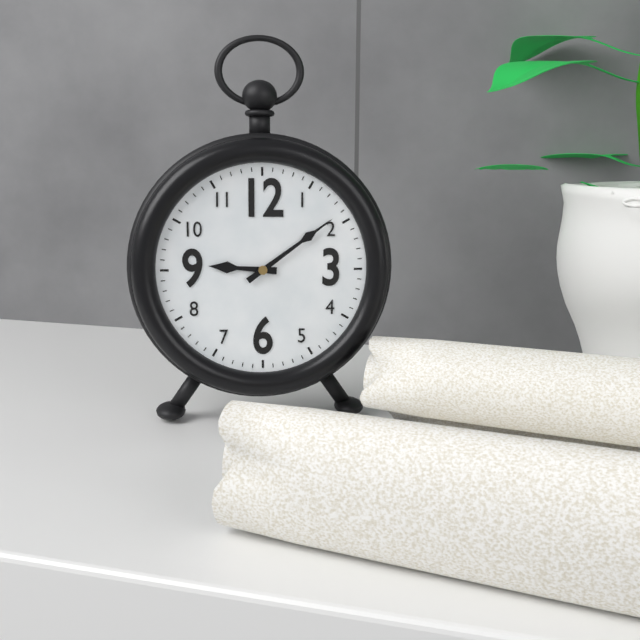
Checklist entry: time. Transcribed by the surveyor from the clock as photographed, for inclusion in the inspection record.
9:09
